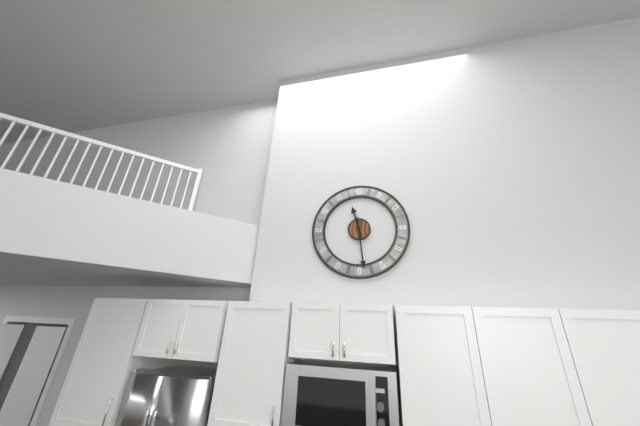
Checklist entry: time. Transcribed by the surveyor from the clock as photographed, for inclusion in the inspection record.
11:29
